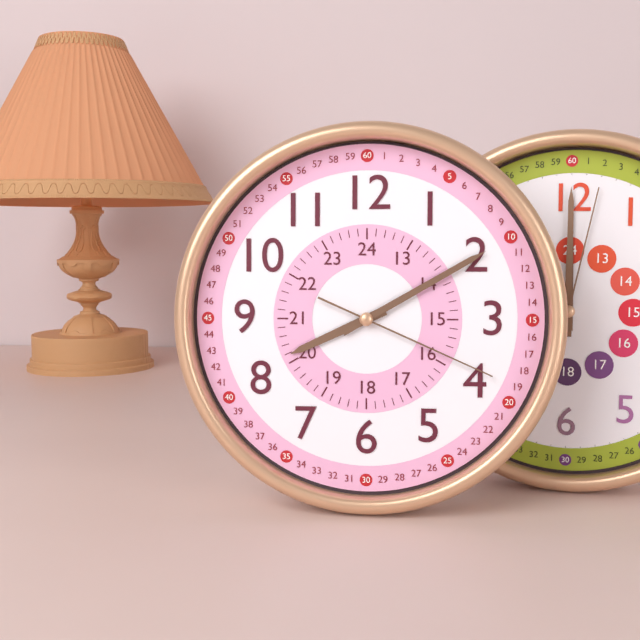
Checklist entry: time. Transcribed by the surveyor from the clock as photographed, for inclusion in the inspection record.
8:10:19
